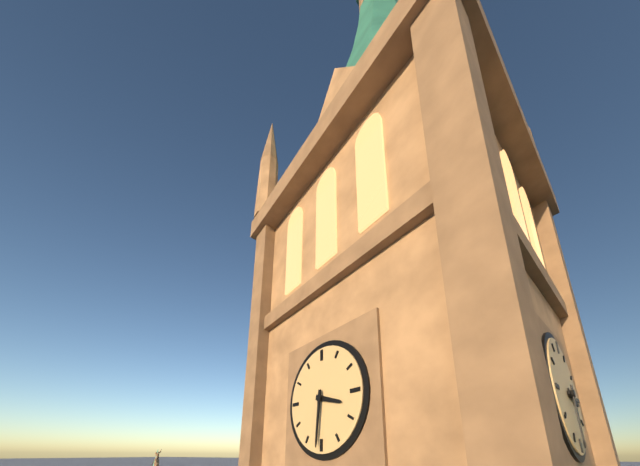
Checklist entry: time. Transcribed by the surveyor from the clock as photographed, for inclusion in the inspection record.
3:31
